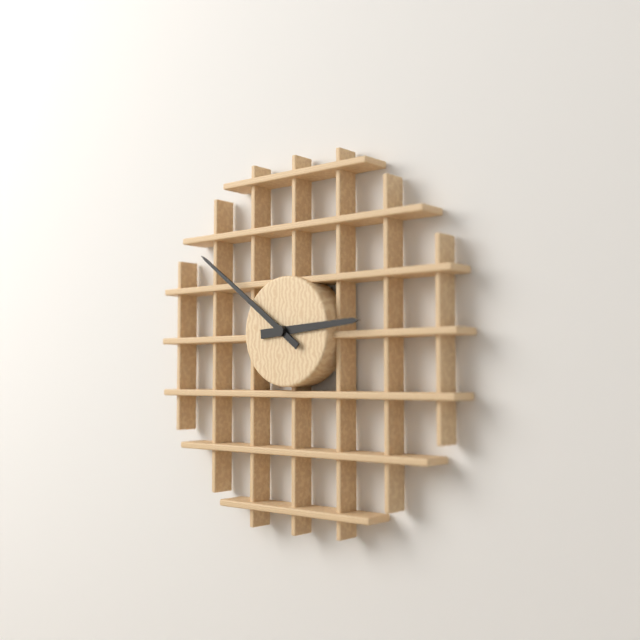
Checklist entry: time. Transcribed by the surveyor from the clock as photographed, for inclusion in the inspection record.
2:51
